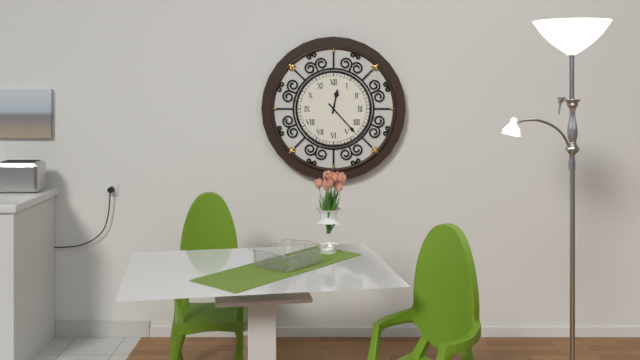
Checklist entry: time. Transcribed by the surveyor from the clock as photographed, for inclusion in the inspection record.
12:23
